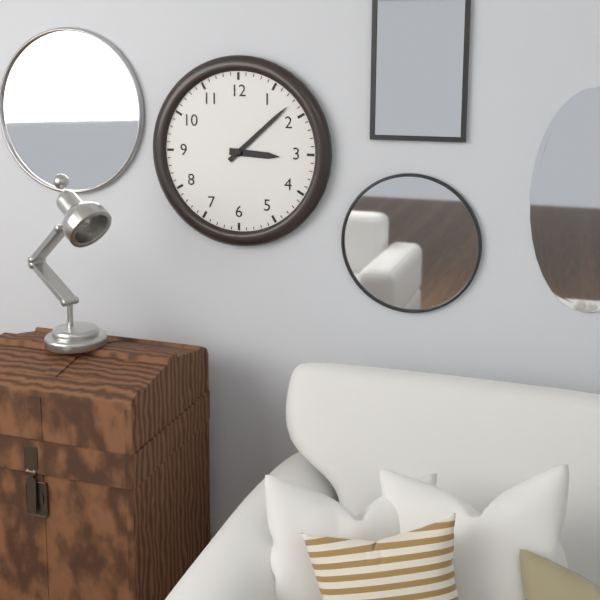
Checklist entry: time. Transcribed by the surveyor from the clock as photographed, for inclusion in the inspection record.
3:08
